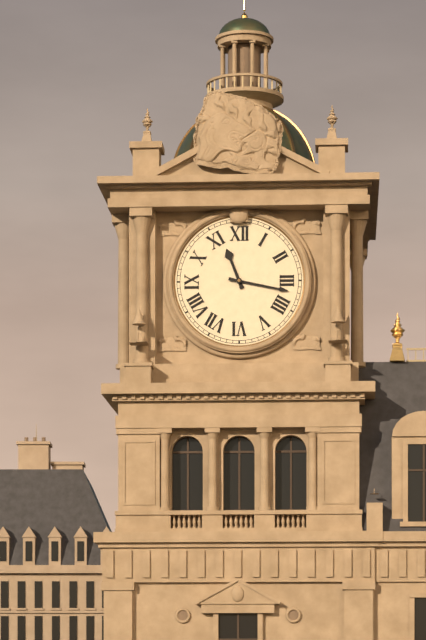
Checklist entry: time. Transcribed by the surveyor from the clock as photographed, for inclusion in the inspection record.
11:17
